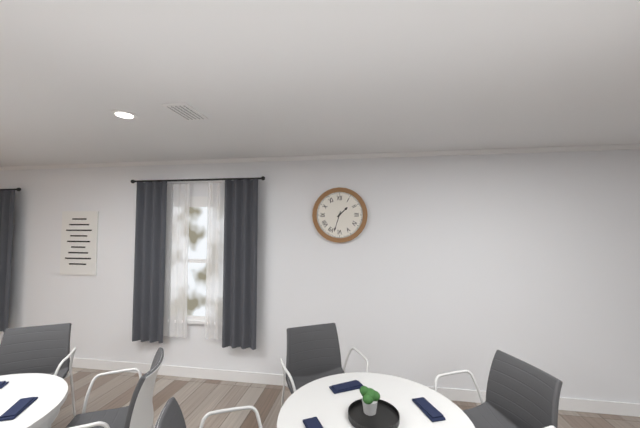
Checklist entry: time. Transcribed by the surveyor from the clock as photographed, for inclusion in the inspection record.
1:33
